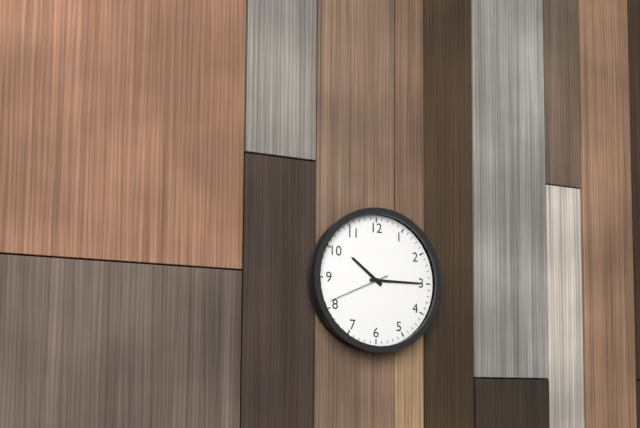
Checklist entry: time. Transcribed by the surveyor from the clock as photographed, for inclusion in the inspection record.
10:15:41
